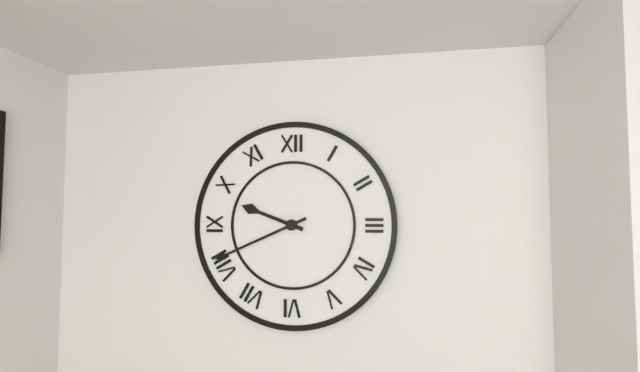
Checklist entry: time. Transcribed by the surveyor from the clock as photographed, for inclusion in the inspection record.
9:41
